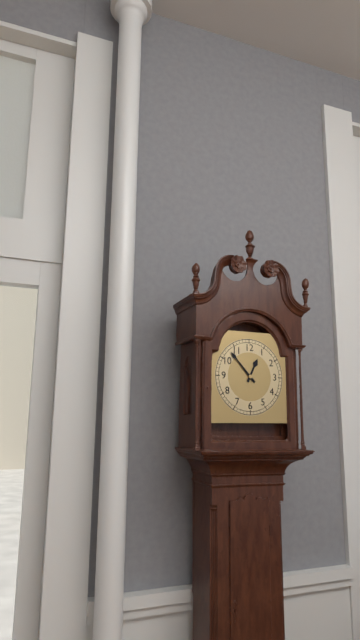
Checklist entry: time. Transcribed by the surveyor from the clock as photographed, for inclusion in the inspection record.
12:53
